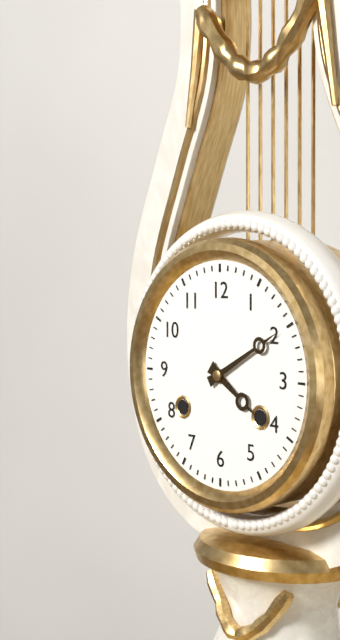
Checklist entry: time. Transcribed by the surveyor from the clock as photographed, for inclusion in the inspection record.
4:10
